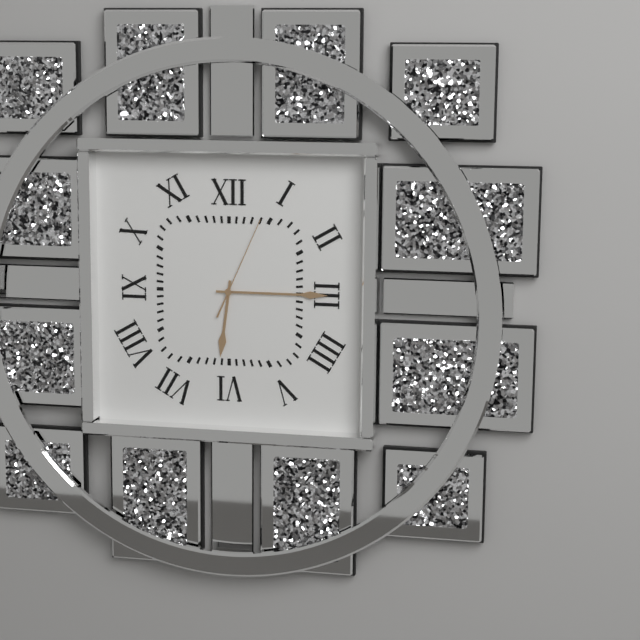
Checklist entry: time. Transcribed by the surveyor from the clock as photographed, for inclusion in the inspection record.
6:15:04
